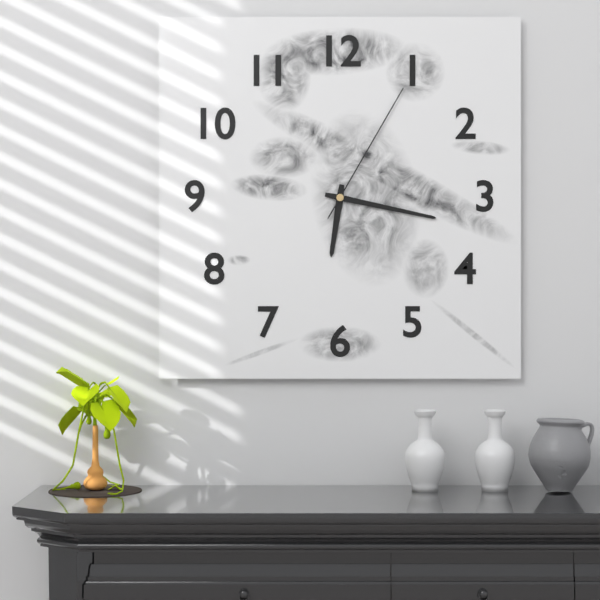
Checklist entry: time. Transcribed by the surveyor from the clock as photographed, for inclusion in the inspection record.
6:17:05
